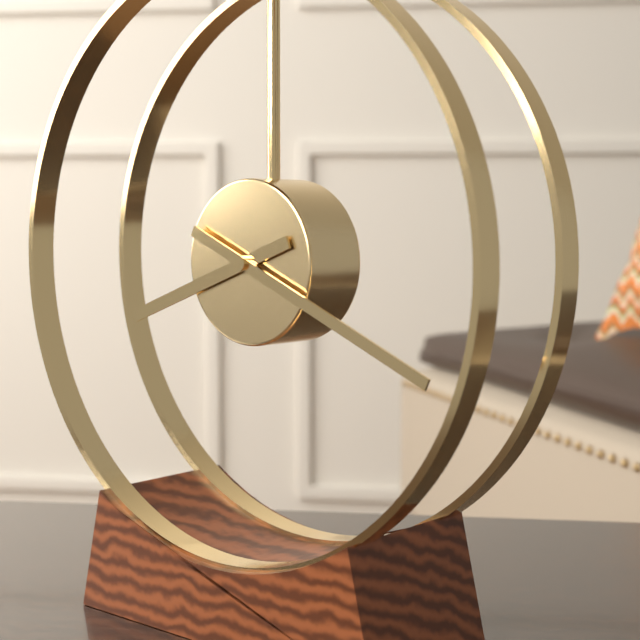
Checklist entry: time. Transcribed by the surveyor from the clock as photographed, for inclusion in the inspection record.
8:19
